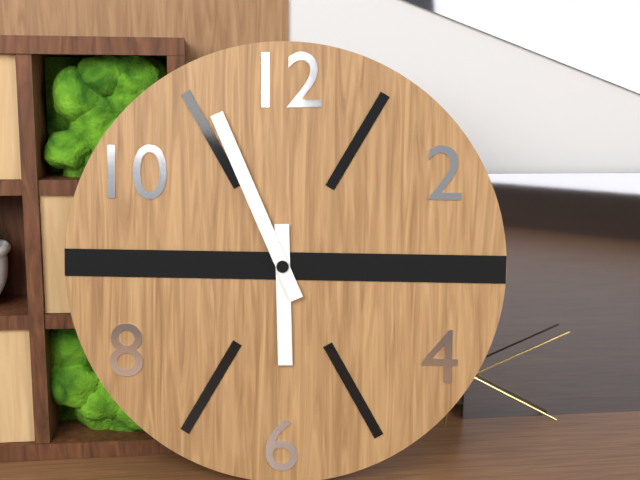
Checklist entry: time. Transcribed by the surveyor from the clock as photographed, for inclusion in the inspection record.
5:56
